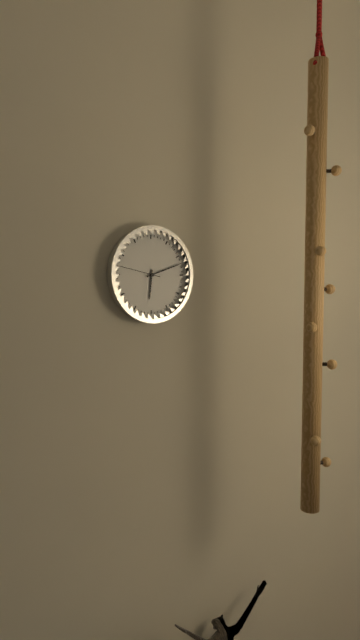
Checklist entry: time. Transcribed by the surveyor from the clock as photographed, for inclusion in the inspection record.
6:12
